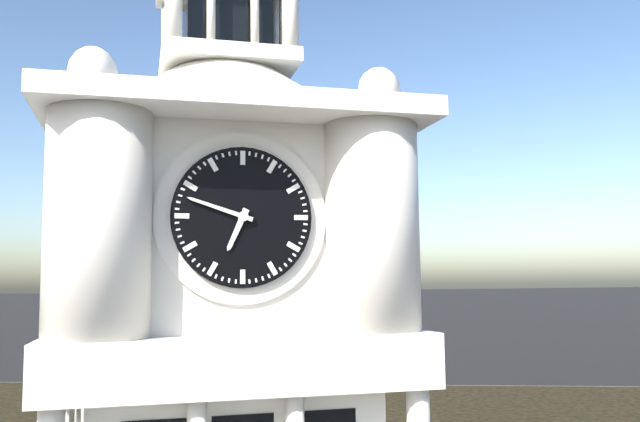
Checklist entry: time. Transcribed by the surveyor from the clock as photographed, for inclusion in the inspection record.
6:48
